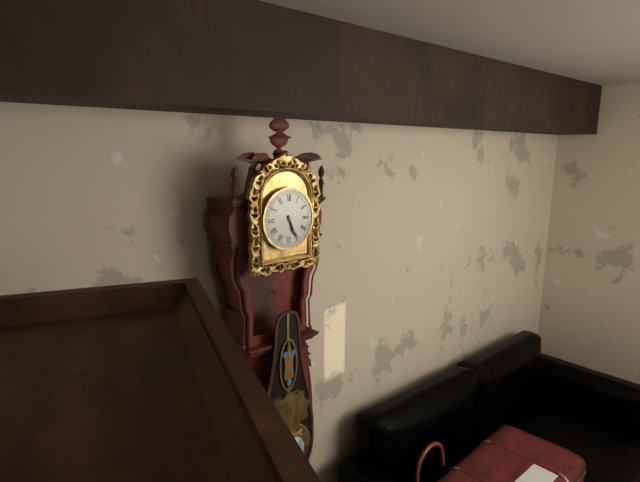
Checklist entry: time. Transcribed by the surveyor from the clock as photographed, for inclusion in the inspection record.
5:26
